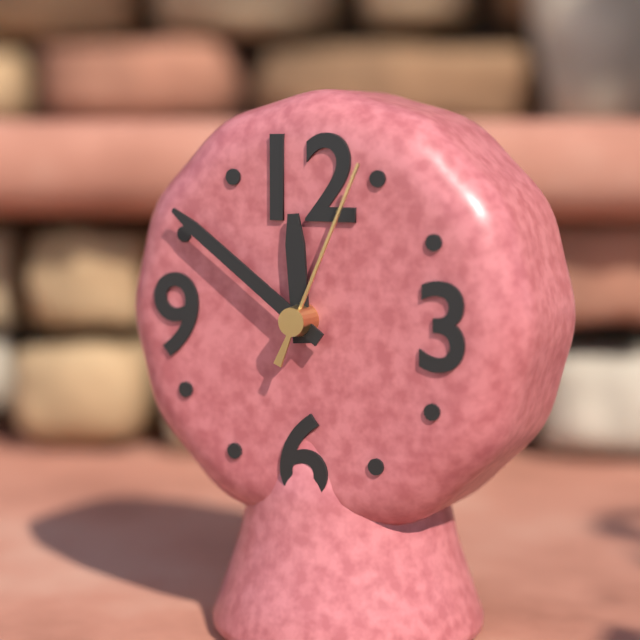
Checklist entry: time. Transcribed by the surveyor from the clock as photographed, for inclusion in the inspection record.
11:51:04
